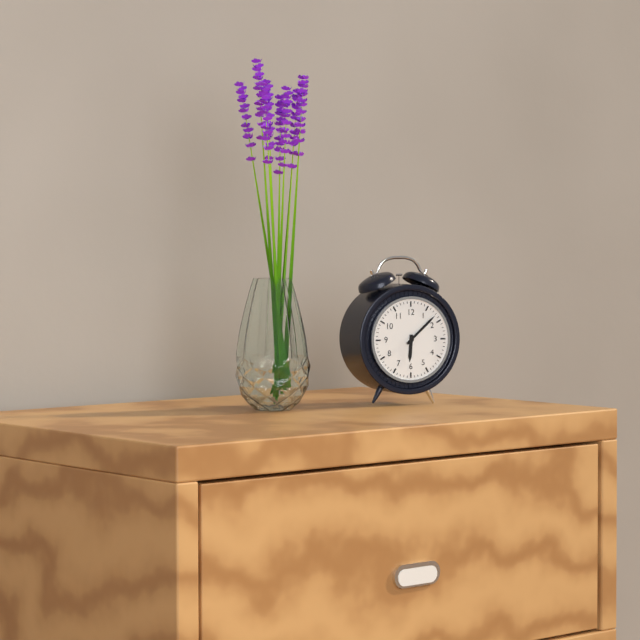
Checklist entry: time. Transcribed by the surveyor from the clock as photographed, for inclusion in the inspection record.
6:08
